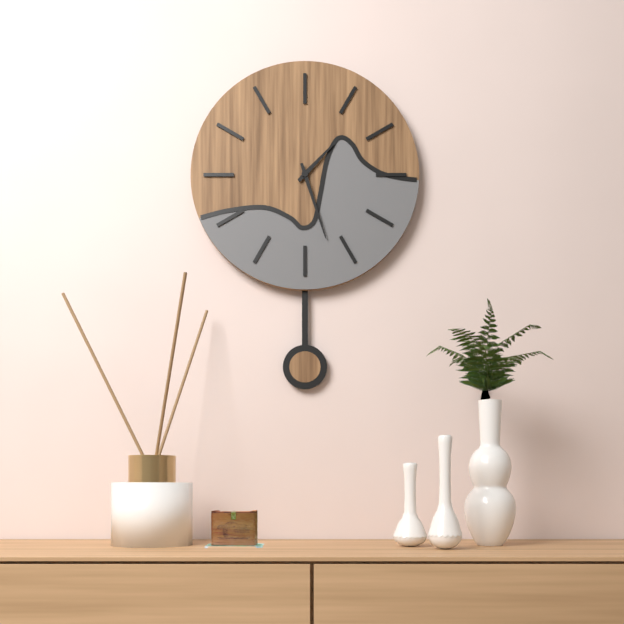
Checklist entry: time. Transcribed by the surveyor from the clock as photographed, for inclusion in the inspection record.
1:27
